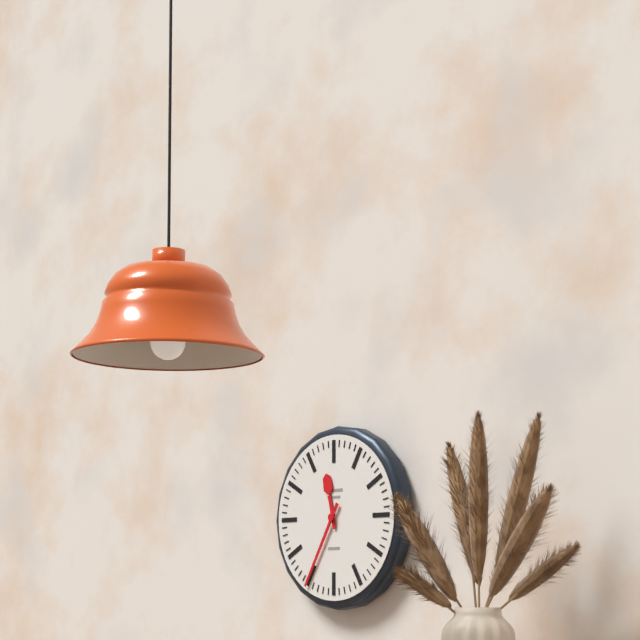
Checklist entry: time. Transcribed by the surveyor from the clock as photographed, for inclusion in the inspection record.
11:35
